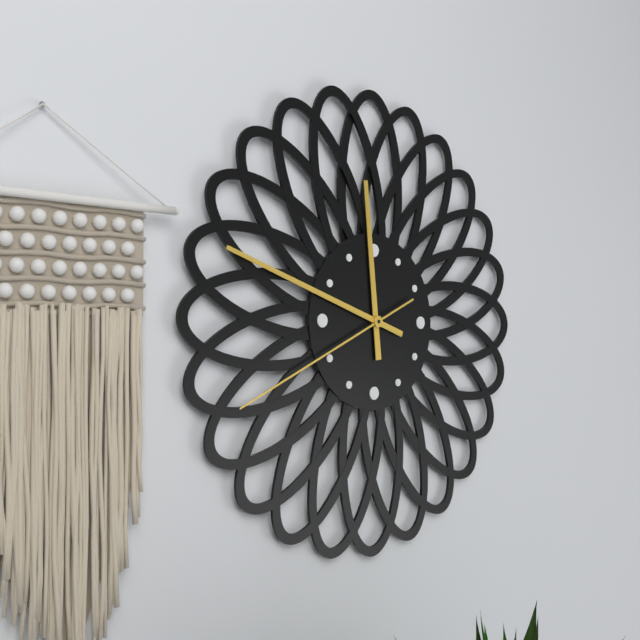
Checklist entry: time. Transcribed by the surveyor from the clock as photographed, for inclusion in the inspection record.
11:48:41
